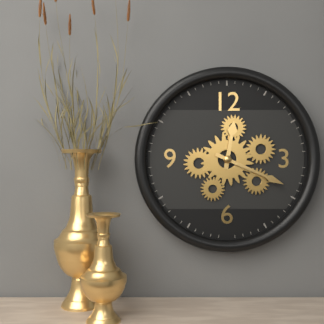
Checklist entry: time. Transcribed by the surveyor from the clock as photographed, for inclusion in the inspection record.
12:19
